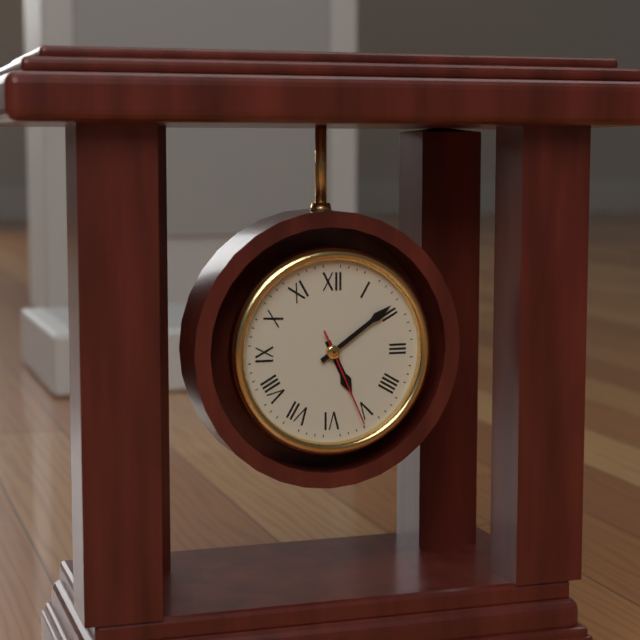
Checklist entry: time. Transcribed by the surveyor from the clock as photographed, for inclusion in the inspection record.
5:09:26
